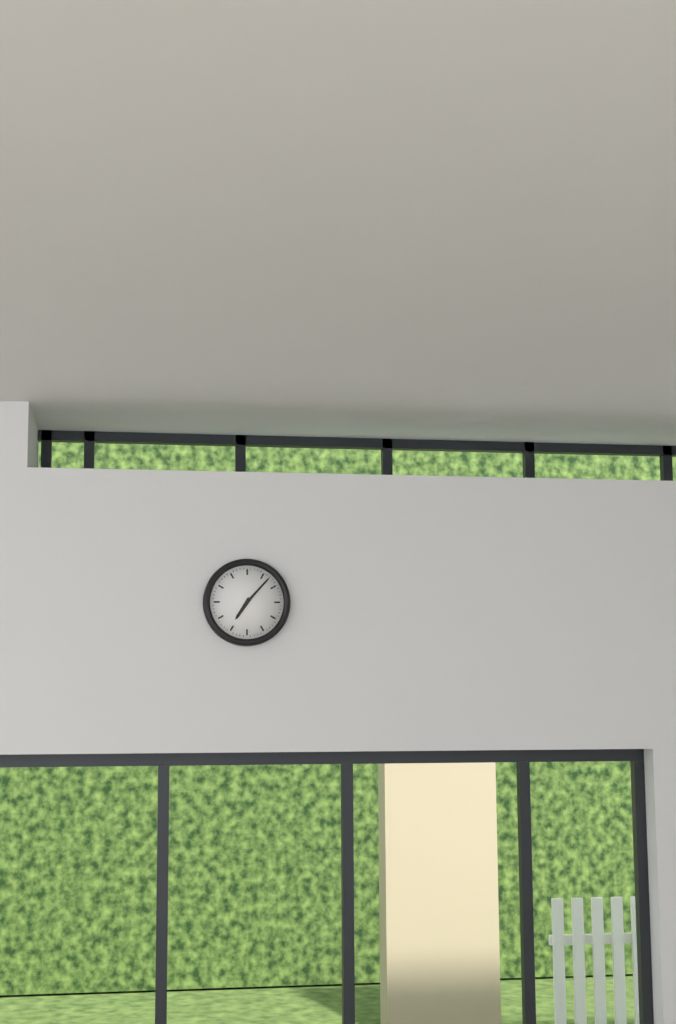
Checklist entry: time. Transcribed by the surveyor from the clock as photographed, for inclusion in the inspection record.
7:07
